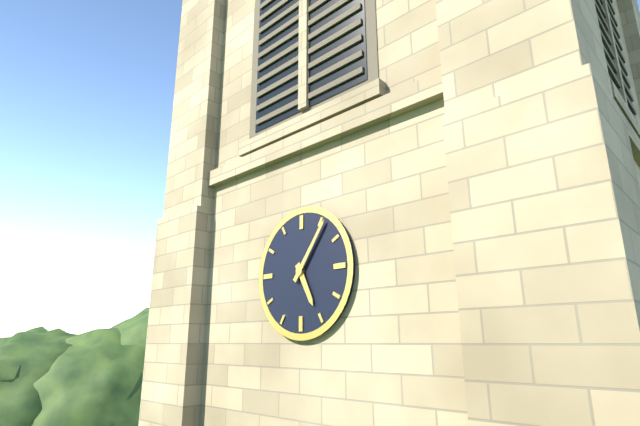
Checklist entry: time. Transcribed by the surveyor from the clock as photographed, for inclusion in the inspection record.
5:06
